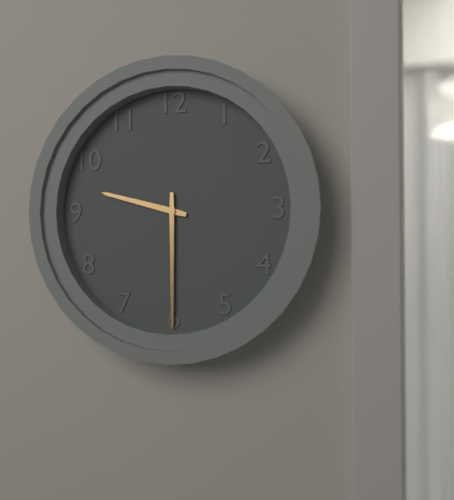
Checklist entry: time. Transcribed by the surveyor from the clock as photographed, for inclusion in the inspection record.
9:30
